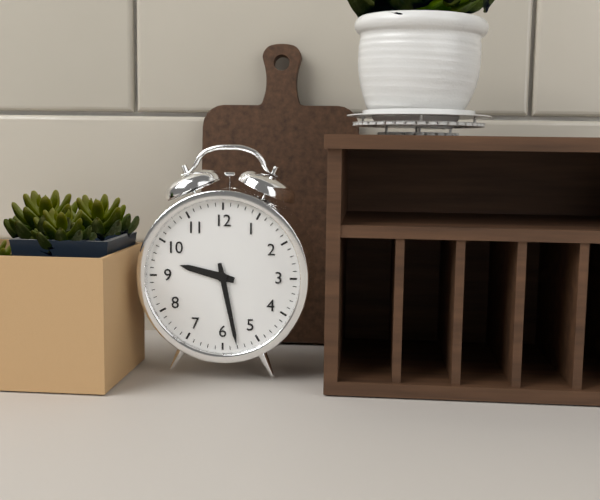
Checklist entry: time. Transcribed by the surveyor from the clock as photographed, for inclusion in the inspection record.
9:28
